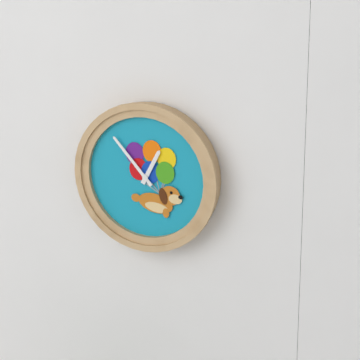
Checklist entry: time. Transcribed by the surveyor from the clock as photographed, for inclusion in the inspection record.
12:53
